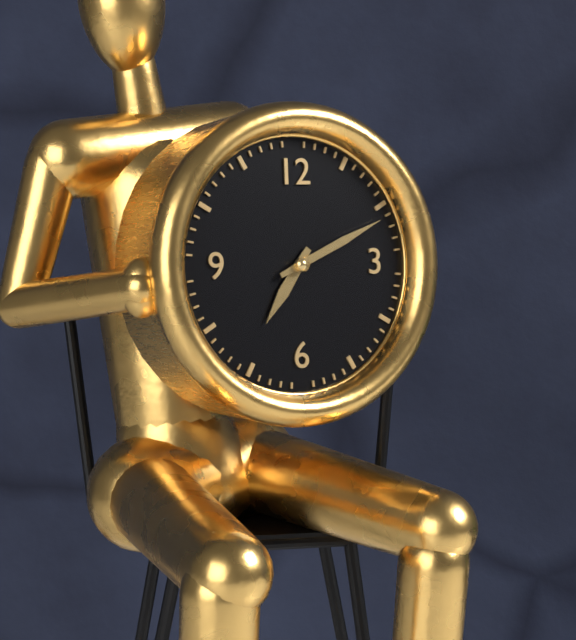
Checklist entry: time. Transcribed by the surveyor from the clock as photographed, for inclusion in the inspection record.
7:11
